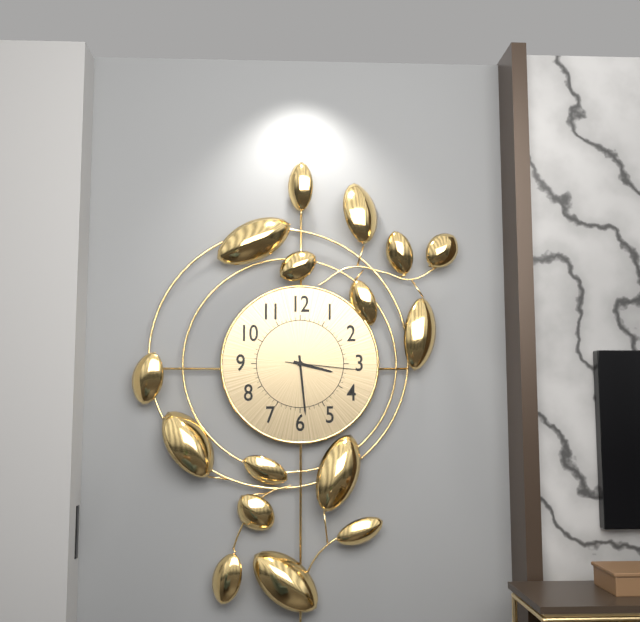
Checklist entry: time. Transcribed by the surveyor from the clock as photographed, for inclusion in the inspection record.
3:29:16
